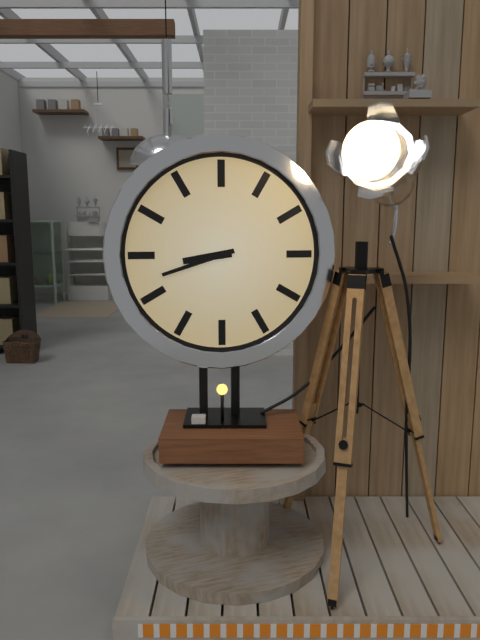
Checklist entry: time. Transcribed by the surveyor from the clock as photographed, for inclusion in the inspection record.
8:42
